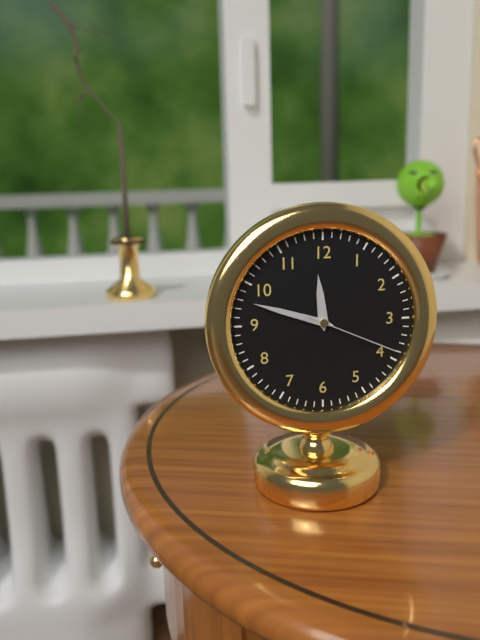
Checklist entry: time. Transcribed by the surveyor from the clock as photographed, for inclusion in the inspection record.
11:48:19
